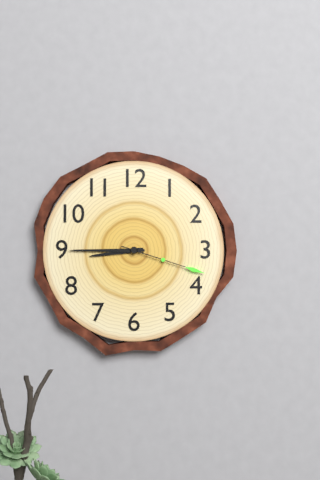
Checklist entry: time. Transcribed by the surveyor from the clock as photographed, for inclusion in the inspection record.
8:45:18
